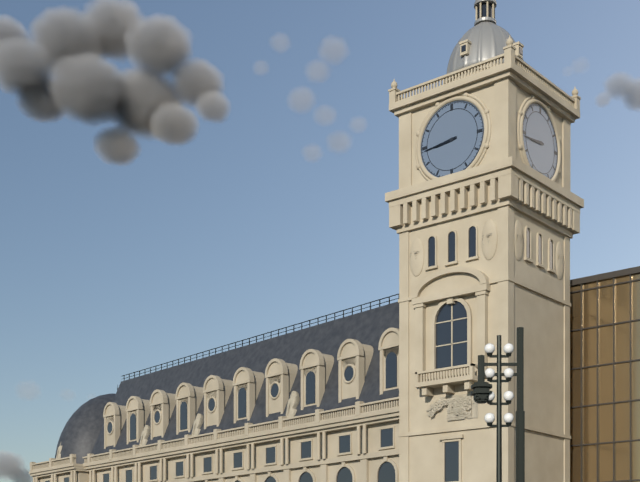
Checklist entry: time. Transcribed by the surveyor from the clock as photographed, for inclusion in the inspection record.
8:44
